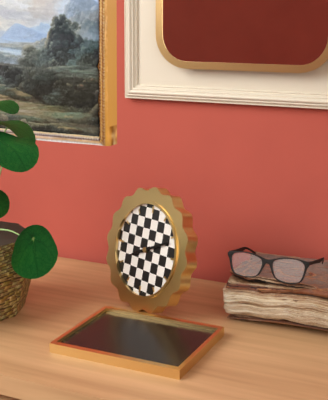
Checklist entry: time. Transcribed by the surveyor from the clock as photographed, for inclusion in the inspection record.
8:11
